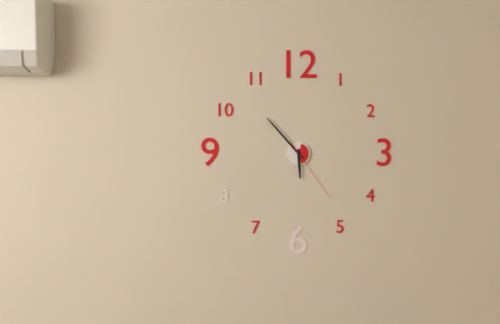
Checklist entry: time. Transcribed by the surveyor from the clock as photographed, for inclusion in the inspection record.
5:53:24
